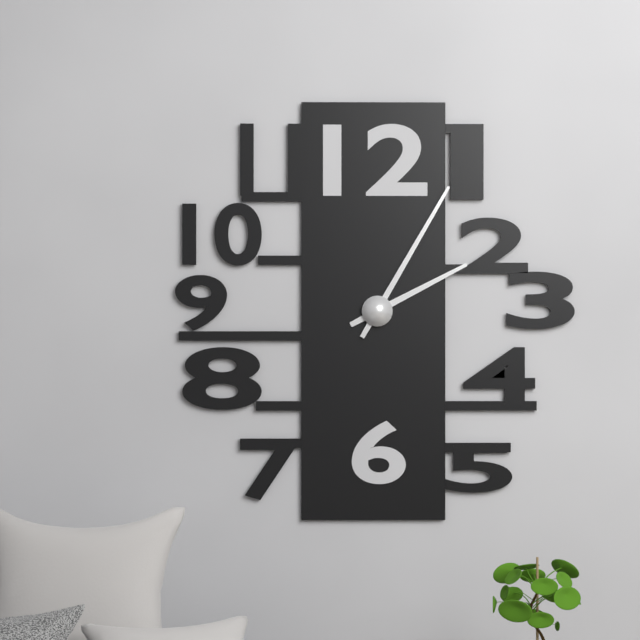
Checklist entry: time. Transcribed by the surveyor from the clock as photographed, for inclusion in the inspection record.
2:05
